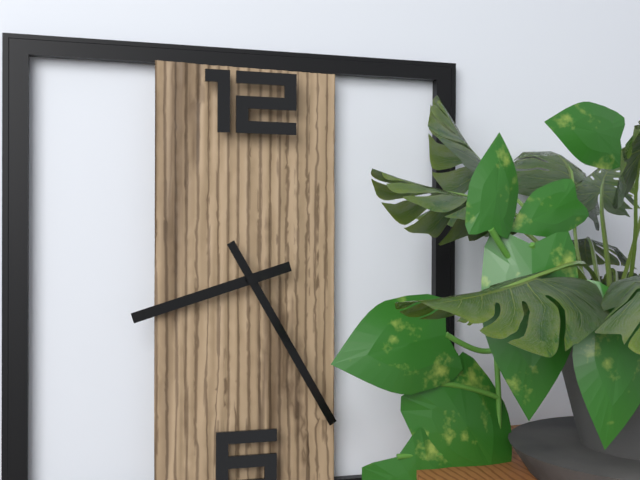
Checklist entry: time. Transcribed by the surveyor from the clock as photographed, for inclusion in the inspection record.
8:25
